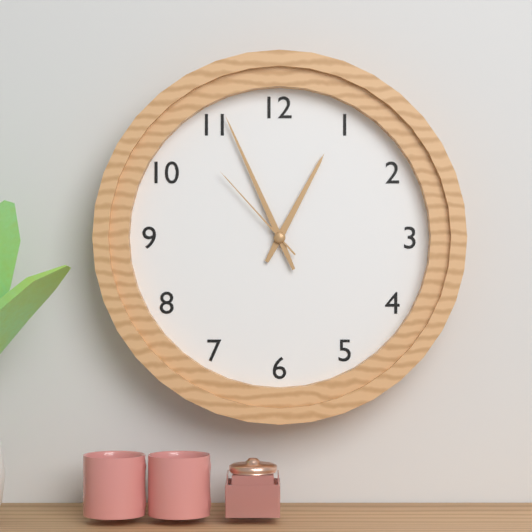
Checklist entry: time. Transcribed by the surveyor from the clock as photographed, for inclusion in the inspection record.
12:56:53
